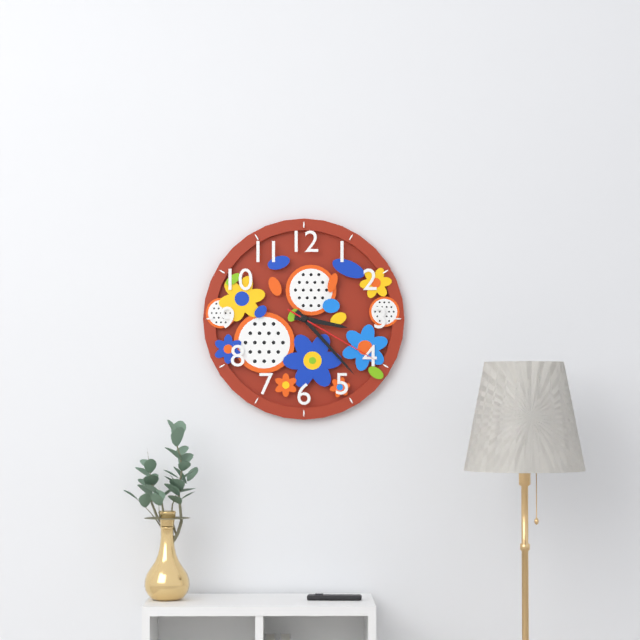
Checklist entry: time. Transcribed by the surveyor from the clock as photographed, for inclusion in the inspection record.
3:23:20
